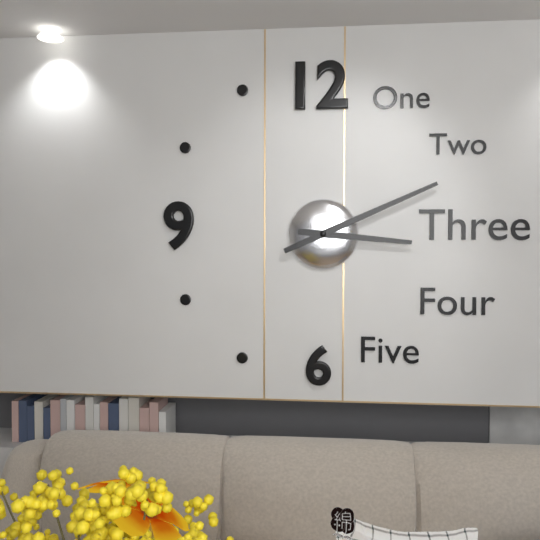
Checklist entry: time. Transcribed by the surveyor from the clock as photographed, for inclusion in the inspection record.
3:11
